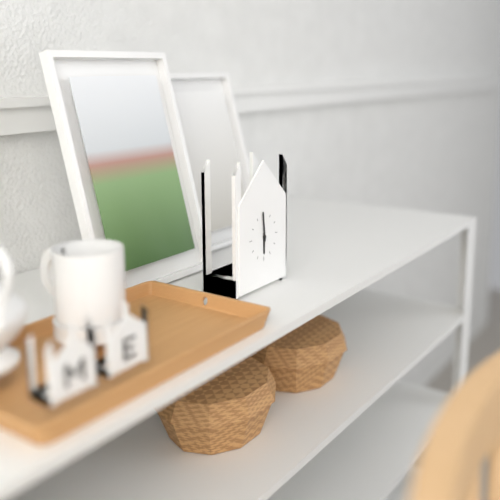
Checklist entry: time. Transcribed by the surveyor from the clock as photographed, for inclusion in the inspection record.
5:59
